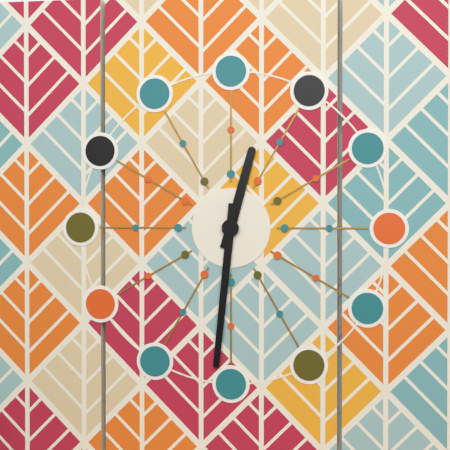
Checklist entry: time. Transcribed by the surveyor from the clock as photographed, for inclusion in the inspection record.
12:31
